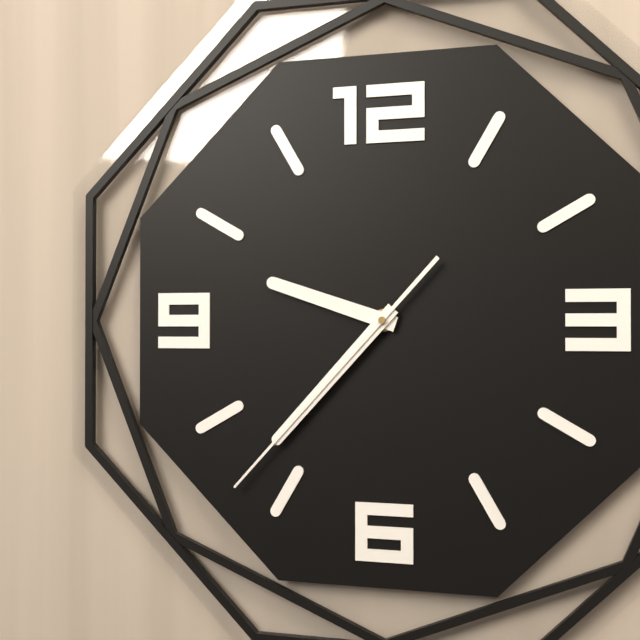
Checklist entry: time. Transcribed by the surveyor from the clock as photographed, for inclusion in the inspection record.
9:37:37
